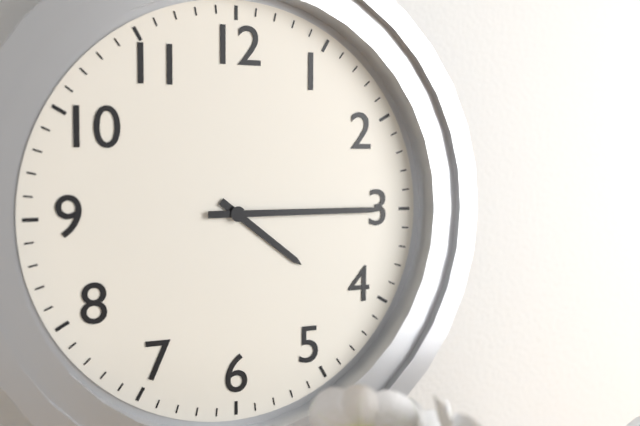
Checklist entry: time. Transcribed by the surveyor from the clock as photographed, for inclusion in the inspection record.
4:15
